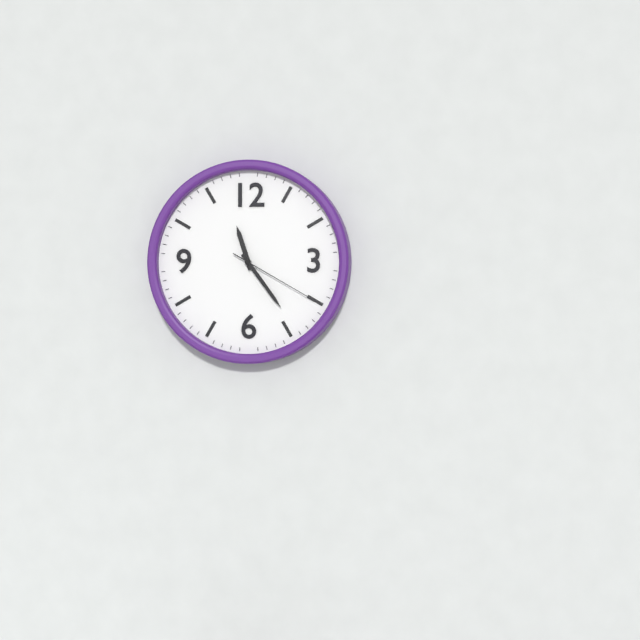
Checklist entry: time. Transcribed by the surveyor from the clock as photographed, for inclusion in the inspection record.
11:24:20
